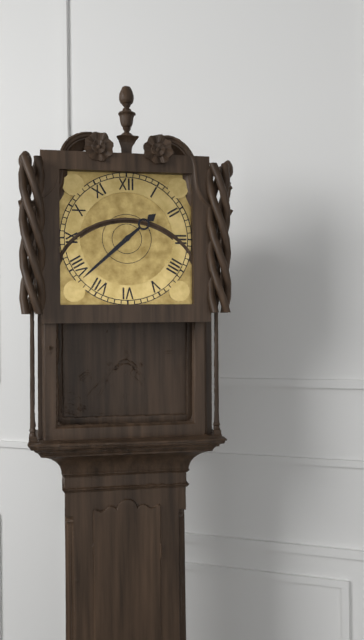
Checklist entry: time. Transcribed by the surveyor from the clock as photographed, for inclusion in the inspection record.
1:38
